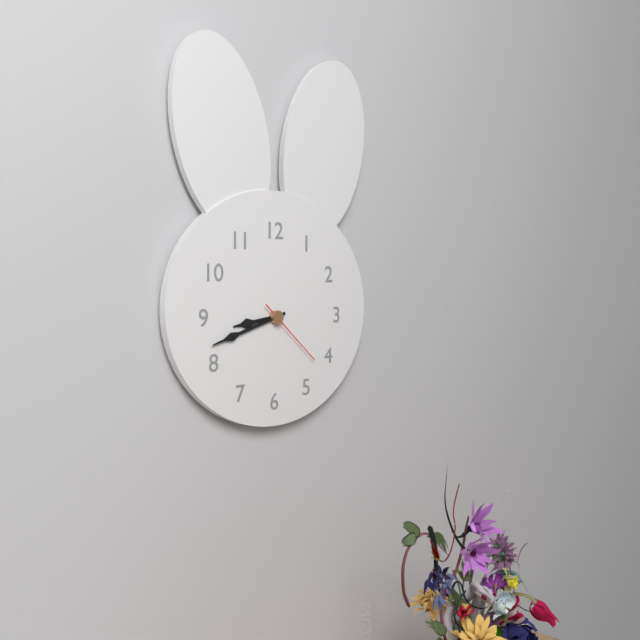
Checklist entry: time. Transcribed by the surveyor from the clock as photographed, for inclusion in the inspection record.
8:42:22
